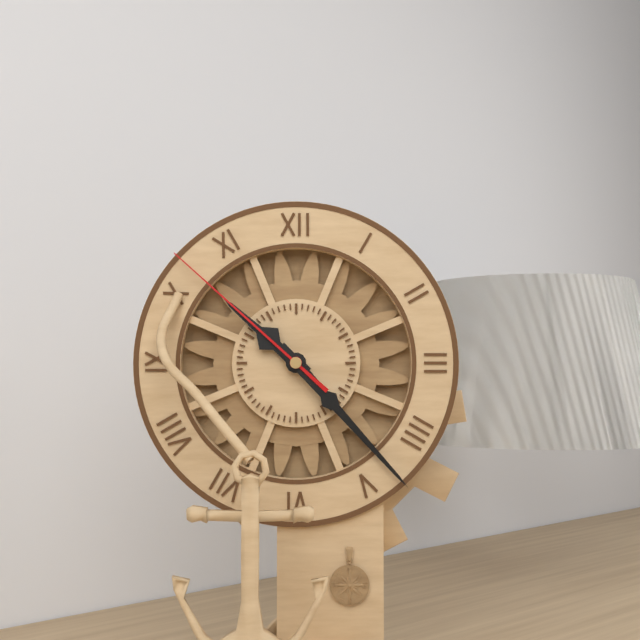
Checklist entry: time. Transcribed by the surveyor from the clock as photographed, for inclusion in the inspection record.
10:23:52
